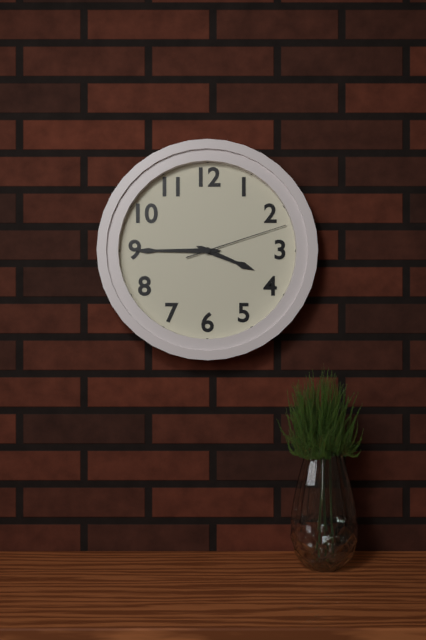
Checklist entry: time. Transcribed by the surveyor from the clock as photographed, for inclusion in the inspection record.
3:45:12
